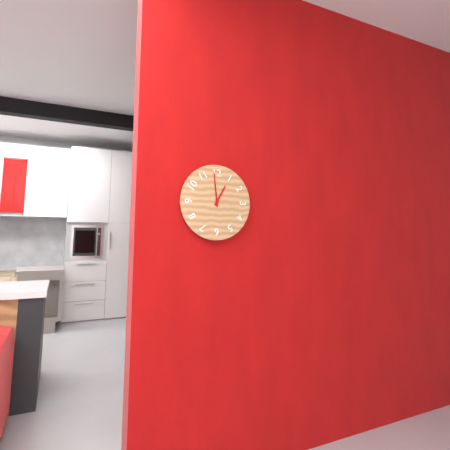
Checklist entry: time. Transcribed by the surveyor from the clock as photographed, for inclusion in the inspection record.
12:59
